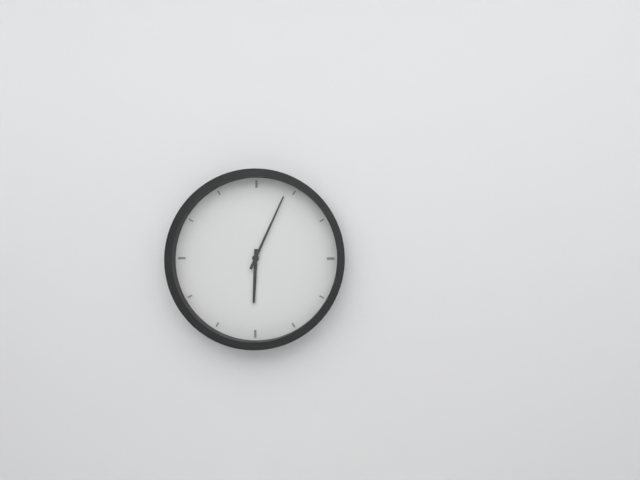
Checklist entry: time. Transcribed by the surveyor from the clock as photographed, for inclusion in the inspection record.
6:04
